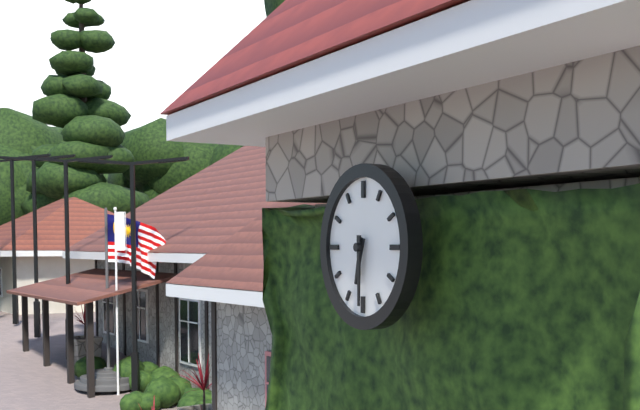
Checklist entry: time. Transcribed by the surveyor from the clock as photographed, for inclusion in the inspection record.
6:30
